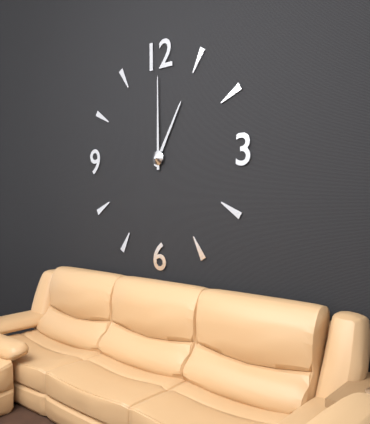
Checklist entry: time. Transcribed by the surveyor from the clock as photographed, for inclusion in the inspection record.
1:00
